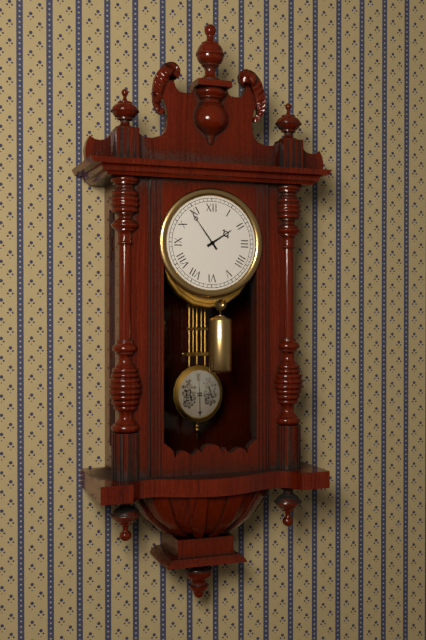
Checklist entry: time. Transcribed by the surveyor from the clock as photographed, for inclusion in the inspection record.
1:54
